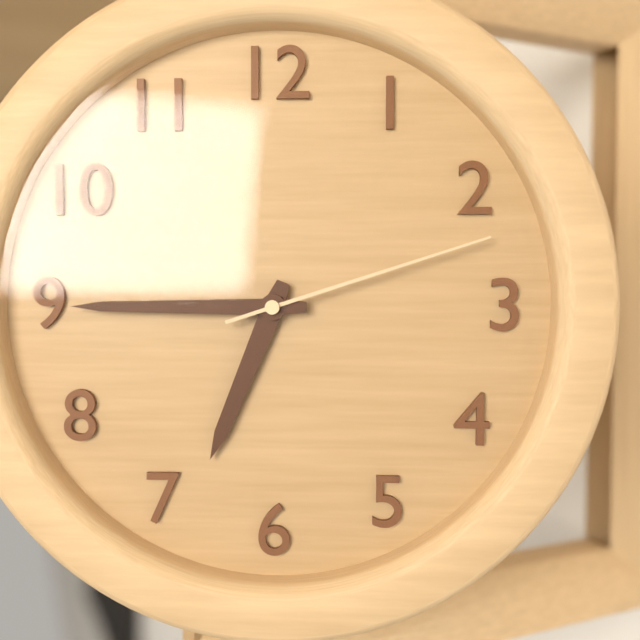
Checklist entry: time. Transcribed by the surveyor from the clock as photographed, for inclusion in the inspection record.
6:45:12
